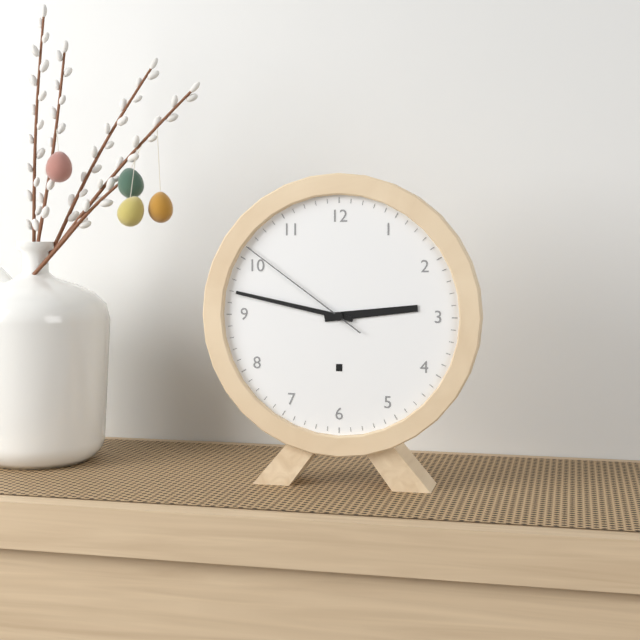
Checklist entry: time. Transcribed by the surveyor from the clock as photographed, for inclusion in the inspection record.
2:47:51
